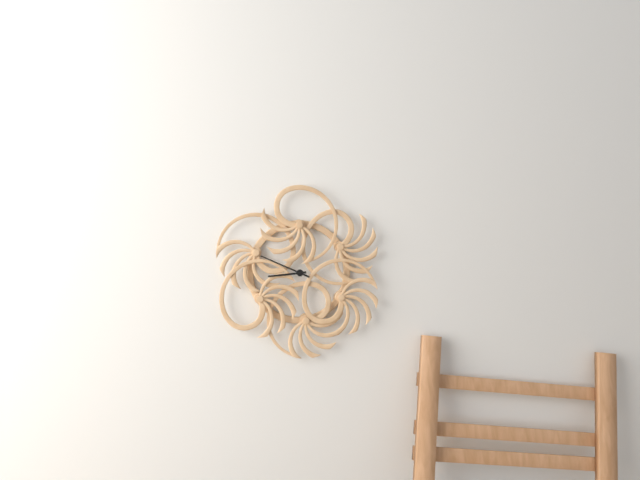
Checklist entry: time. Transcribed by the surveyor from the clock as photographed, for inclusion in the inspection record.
8:49
